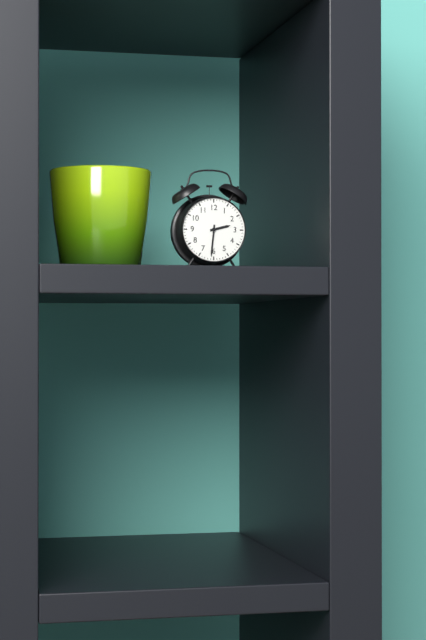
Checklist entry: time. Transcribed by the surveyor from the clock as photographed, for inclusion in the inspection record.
2:31
